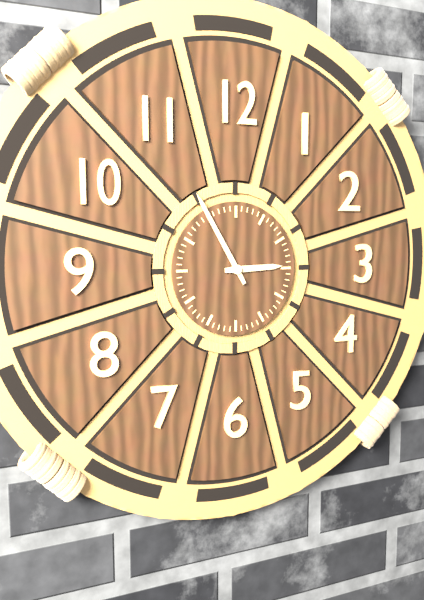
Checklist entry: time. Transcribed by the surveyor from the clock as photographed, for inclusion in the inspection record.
2:55
